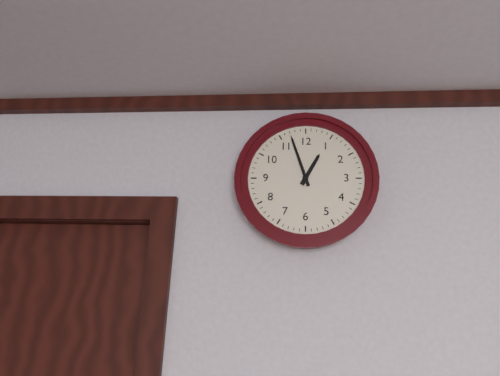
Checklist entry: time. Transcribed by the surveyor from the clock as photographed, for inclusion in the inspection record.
12:57
